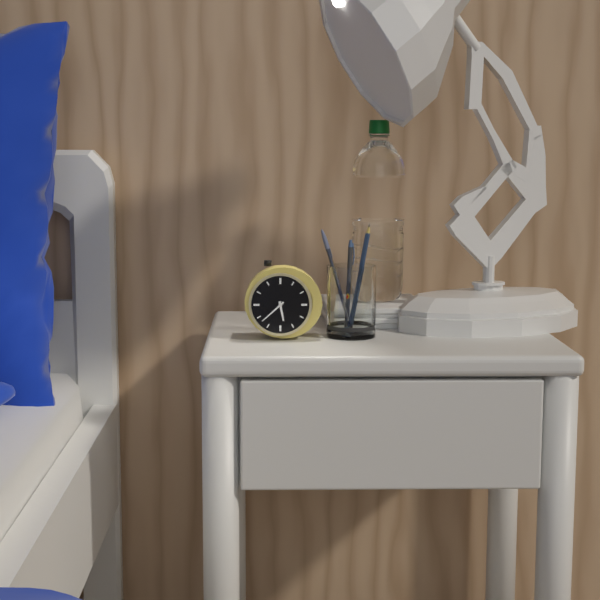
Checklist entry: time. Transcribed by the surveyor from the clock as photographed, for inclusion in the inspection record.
5:38
